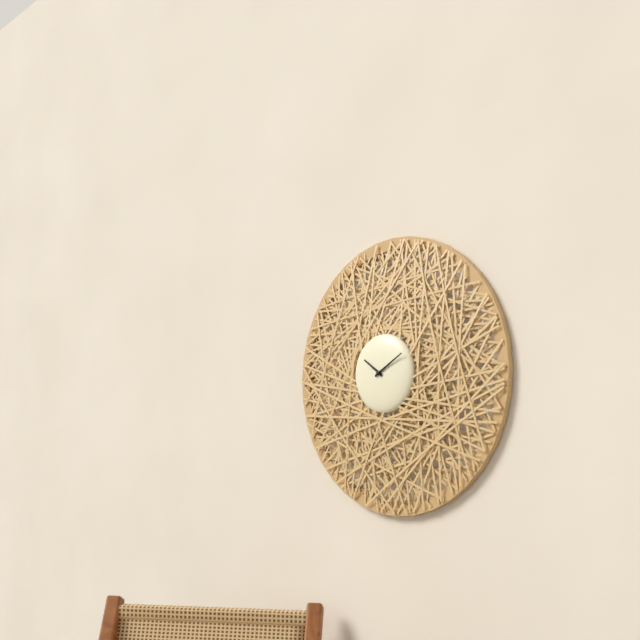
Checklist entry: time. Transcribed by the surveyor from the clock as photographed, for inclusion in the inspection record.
10:10
